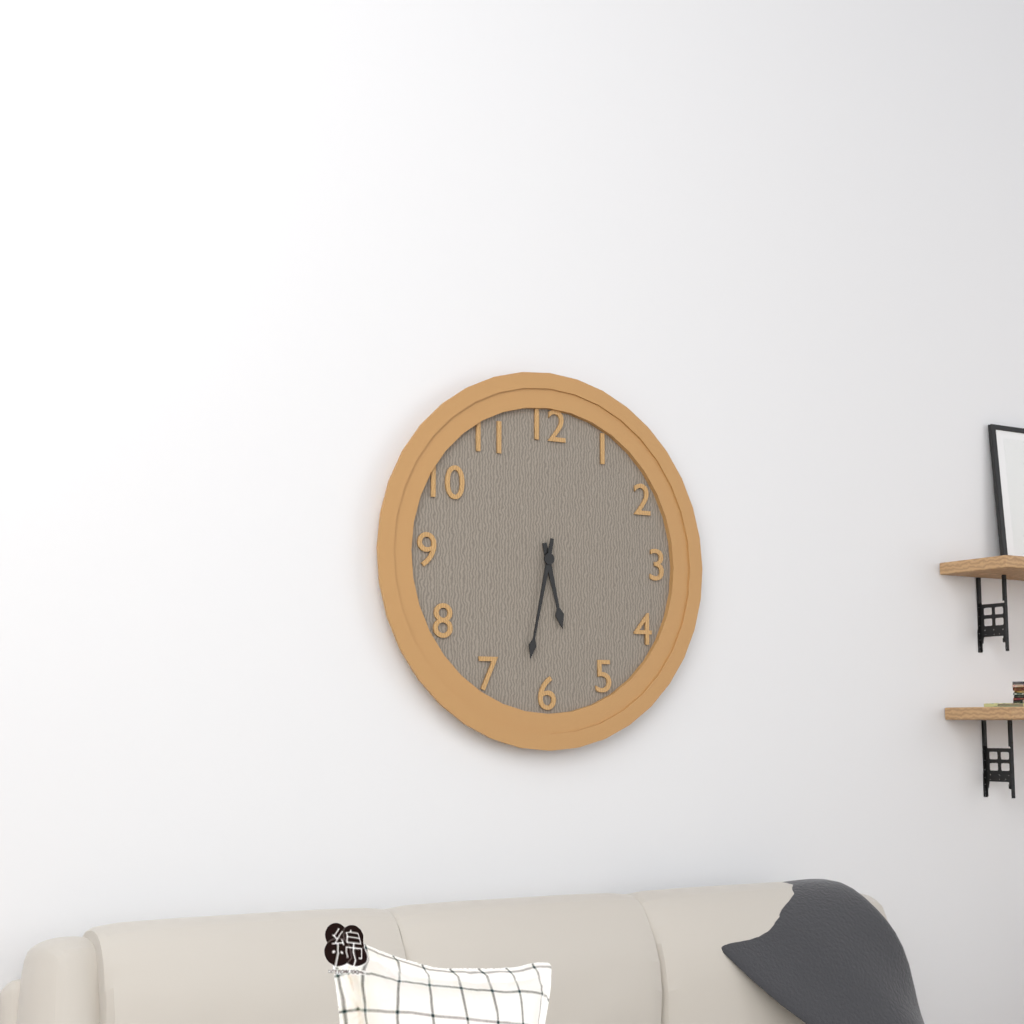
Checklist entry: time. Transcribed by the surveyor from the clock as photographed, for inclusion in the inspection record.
5:32
